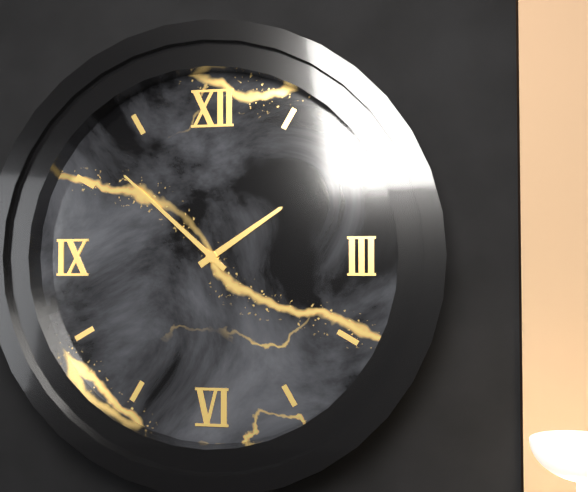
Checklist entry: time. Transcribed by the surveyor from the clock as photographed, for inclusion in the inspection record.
1:52
